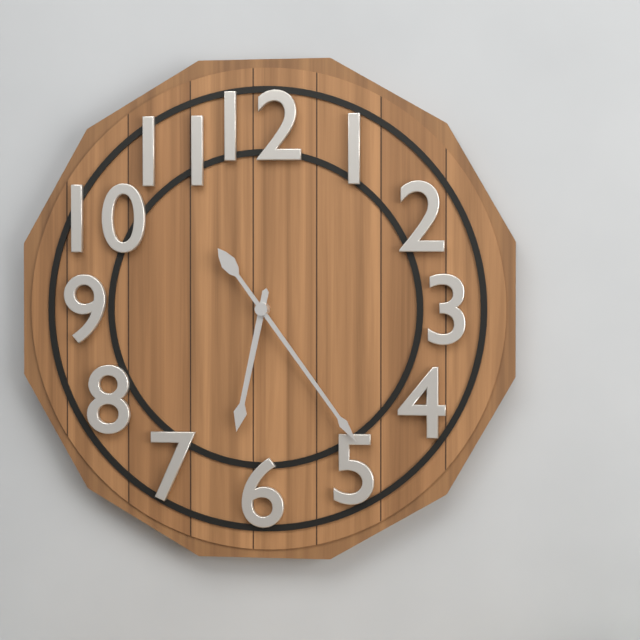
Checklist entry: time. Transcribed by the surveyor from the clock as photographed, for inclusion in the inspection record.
6:24
